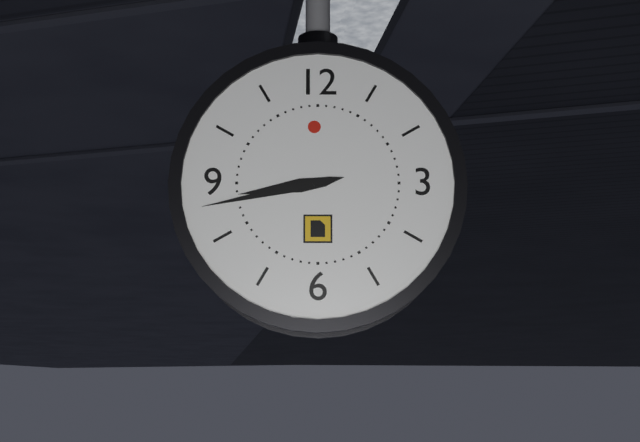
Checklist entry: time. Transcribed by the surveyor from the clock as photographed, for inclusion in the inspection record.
8:43
